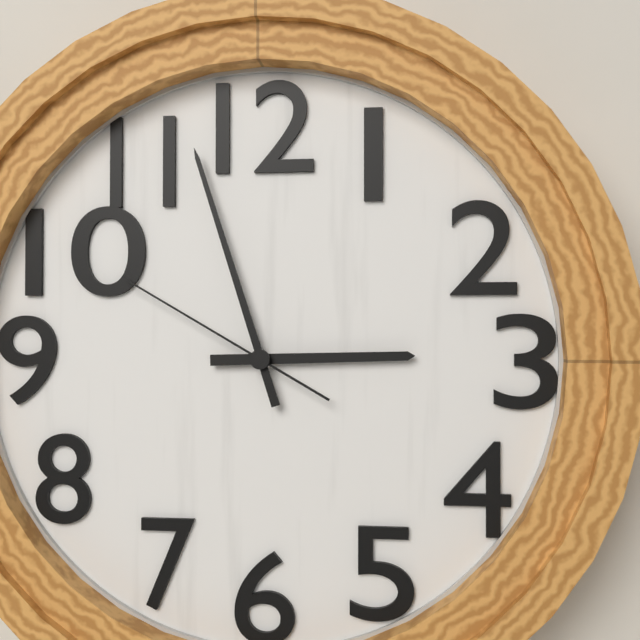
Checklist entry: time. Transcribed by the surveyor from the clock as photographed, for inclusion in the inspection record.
2:57:50
